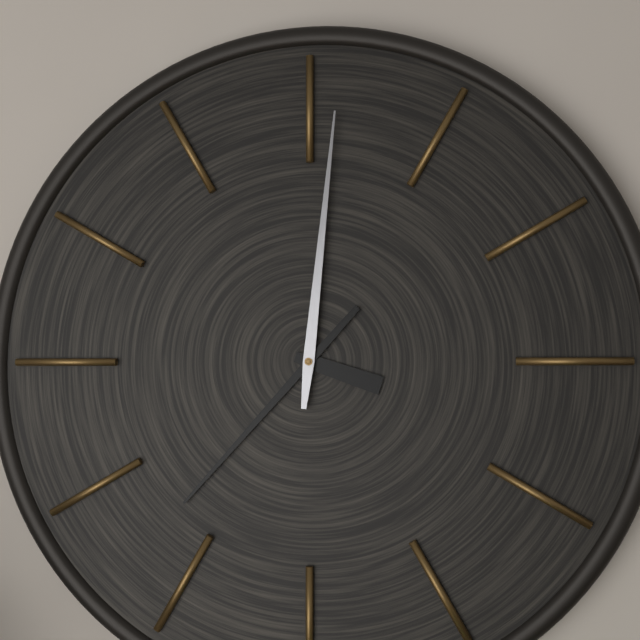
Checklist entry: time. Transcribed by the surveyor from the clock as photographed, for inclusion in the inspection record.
3:37:01
